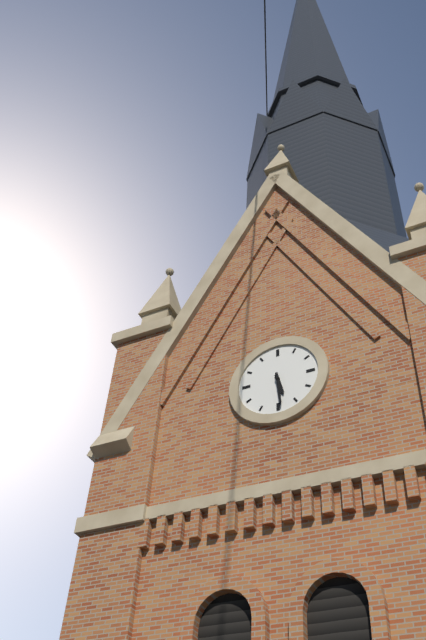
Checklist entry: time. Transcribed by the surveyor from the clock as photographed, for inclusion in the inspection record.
5:29
